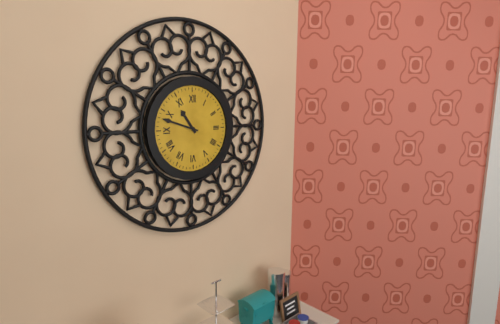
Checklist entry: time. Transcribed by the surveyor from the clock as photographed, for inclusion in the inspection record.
10:48
